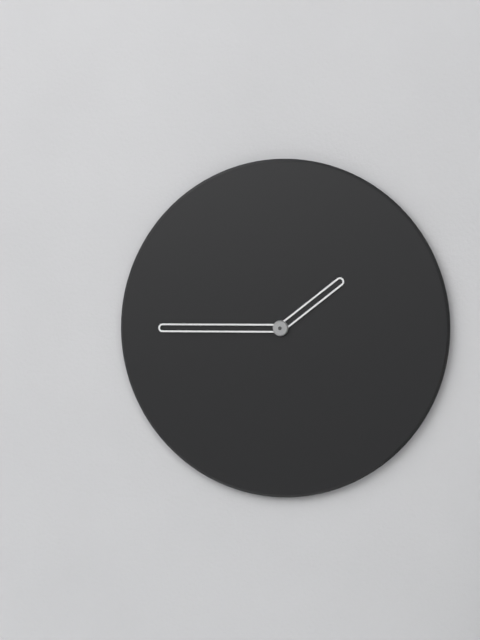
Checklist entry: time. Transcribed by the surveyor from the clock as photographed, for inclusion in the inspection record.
1:45
